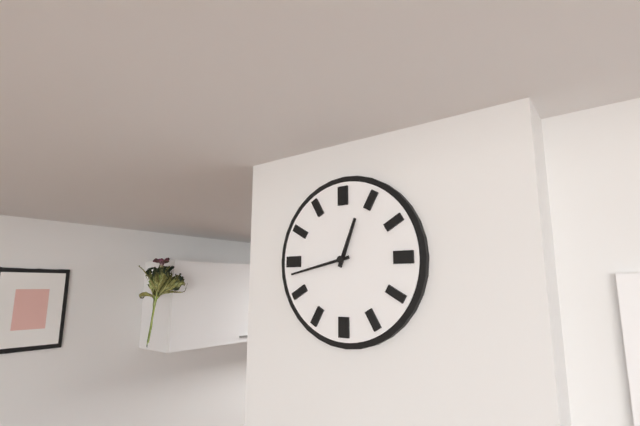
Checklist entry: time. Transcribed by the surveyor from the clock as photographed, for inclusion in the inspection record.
12:43
